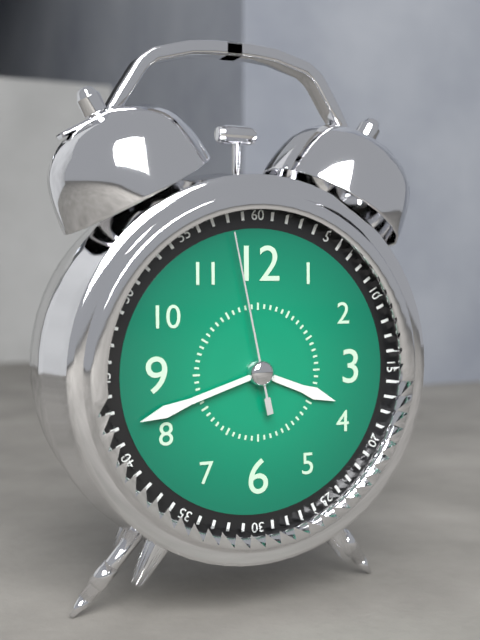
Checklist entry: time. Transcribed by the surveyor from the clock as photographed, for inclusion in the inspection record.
3:42:58
